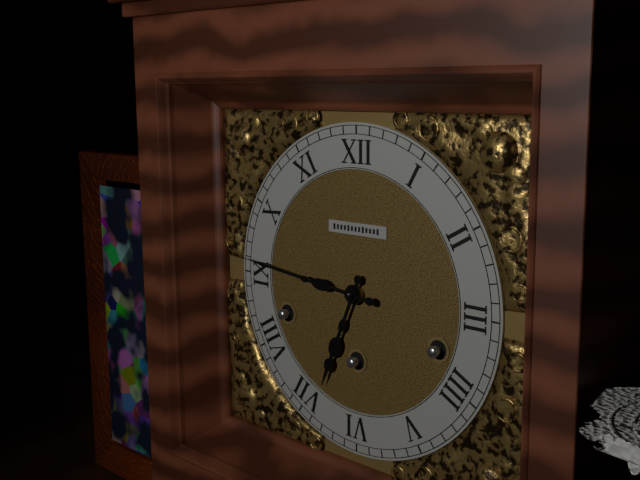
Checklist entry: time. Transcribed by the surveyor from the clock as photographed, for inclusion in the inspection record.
6:46
